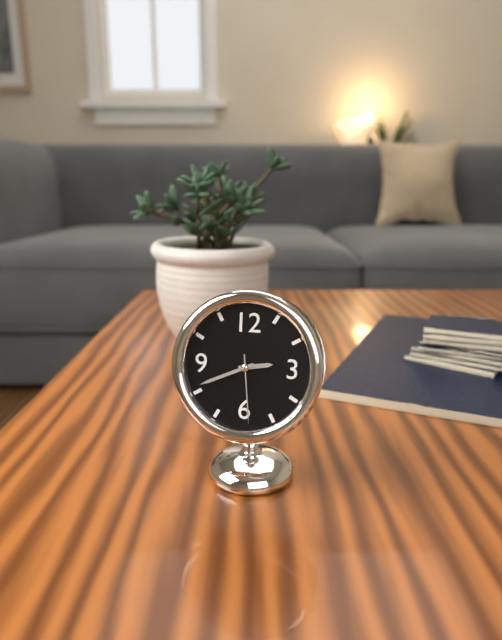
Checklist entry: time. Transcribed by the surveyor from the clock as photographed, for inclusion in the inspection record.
2:41:29
